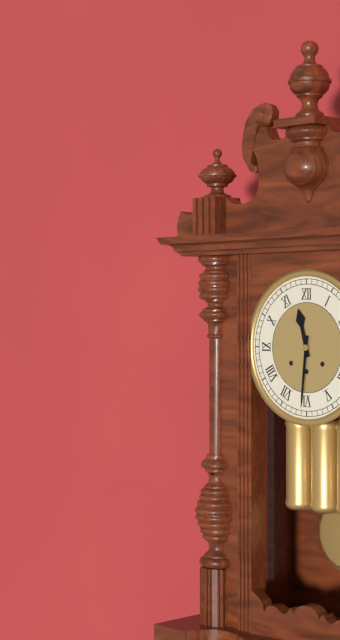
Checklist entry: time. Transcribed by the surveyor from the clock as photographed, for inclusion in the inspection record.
11:31
